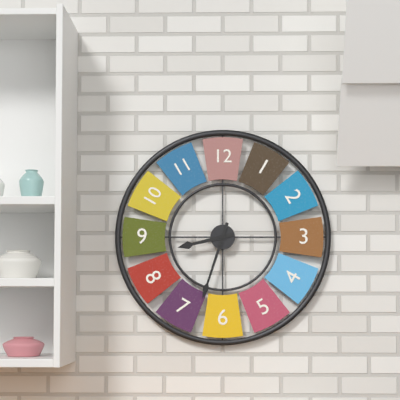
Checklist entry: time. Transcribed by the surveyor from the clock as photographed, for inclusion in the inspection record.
8:33
